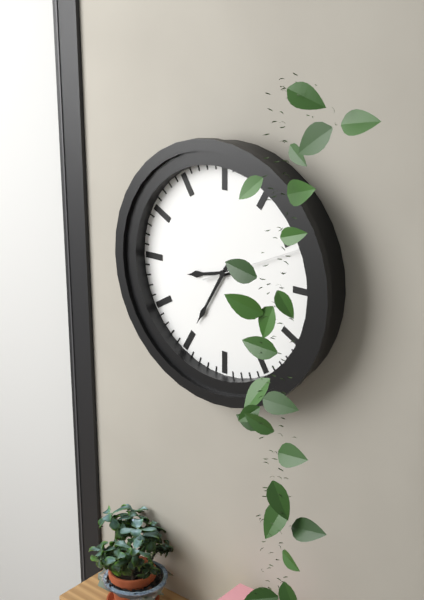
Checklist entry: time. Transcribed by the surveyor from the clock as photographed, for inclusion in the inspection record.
8:35:11
